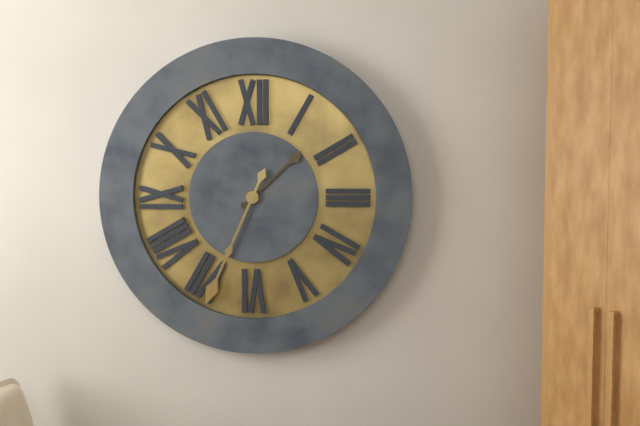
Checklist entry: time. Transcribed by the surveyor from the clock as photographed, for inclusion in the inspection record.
1:34
